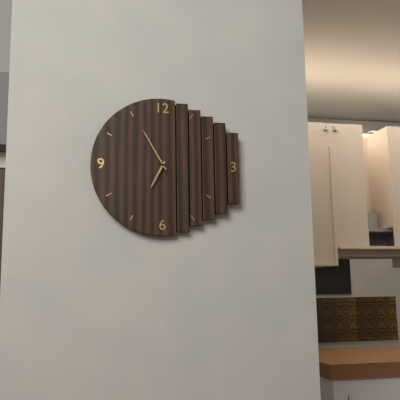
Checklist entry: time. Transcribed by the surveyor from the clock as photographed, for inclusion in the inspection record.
6:55
